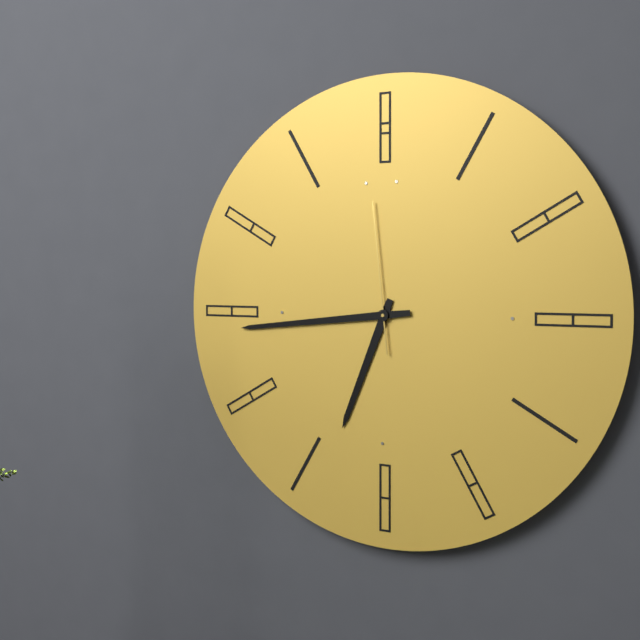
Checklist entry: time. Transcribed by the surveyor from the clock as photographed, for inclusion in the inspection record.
6:44:59
